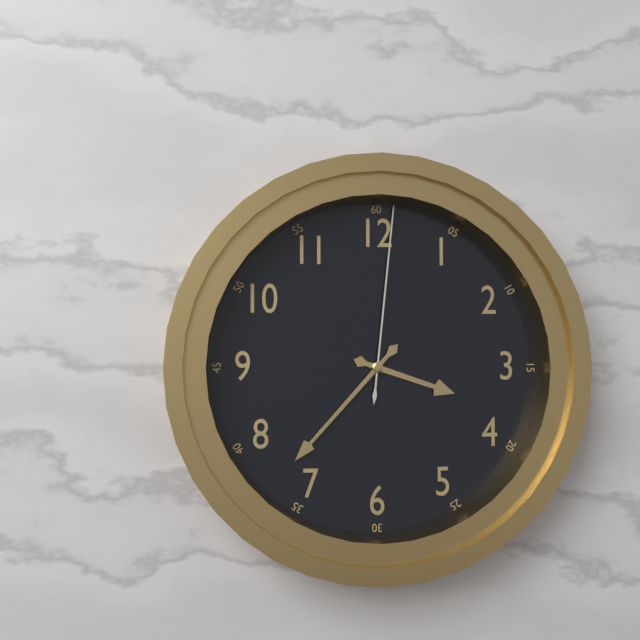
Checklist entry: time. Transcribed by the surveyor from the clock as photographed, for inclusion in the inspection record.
3:37:01
